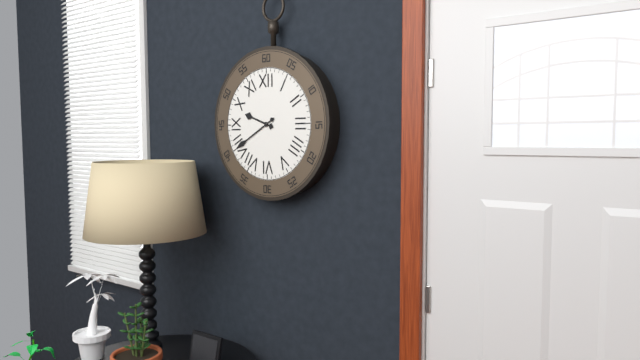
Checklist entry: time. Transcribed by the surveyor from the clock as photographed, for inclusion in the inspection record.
9:40
